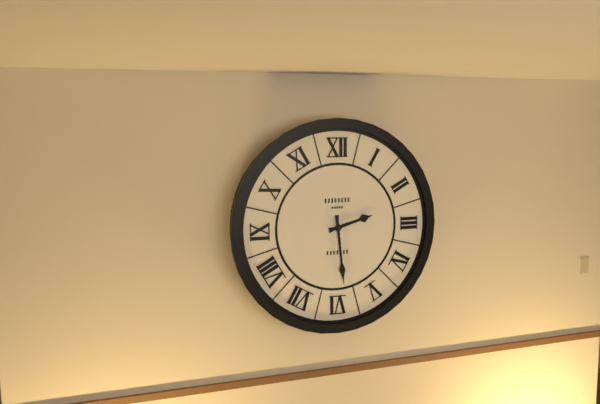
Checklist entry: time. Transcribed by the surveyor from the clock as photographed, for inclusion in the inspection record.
2:29
